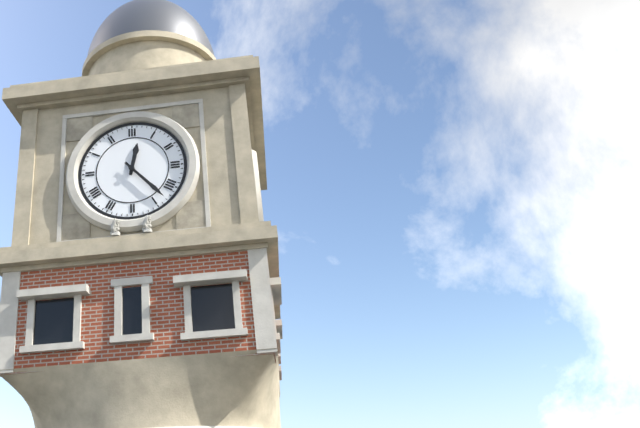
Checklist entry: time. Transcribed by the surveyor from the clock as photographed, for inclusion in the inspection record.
12:23
